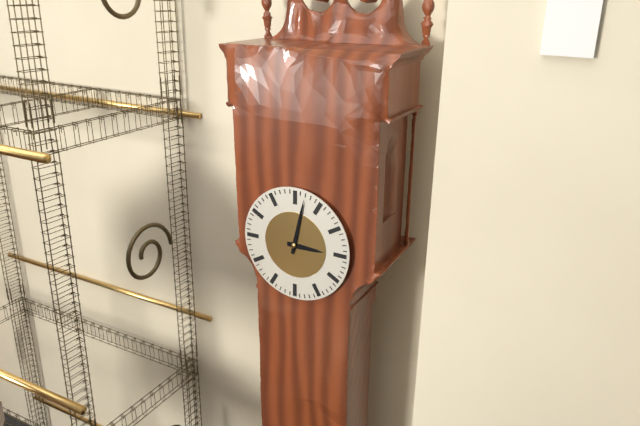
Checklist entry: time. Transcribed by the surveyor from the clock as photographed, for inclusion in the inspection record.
3:02
